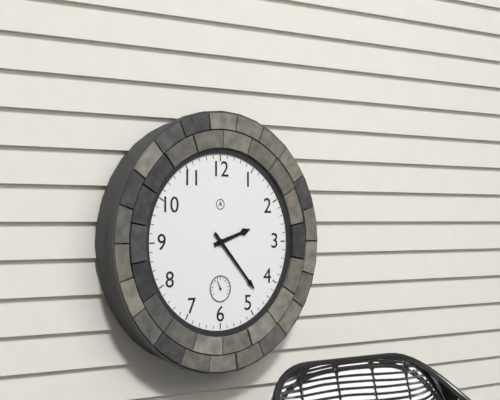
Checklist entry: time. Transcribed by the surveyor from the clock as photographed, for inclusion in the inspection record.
2:23
